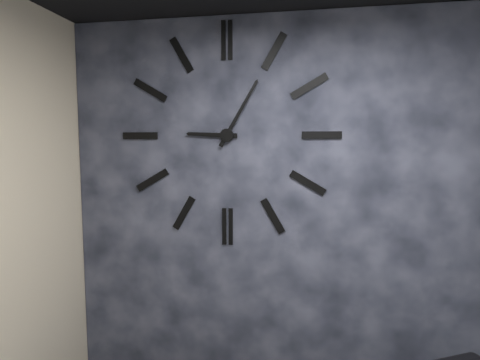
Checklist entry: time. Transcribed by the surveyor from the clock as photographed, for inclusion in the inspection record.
9:05
